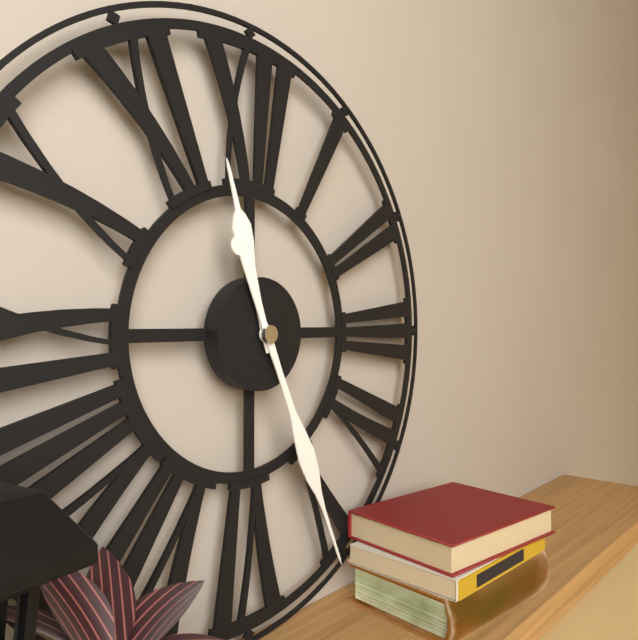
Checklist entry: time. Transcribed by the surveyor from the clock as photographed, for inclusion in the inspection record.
11:26
